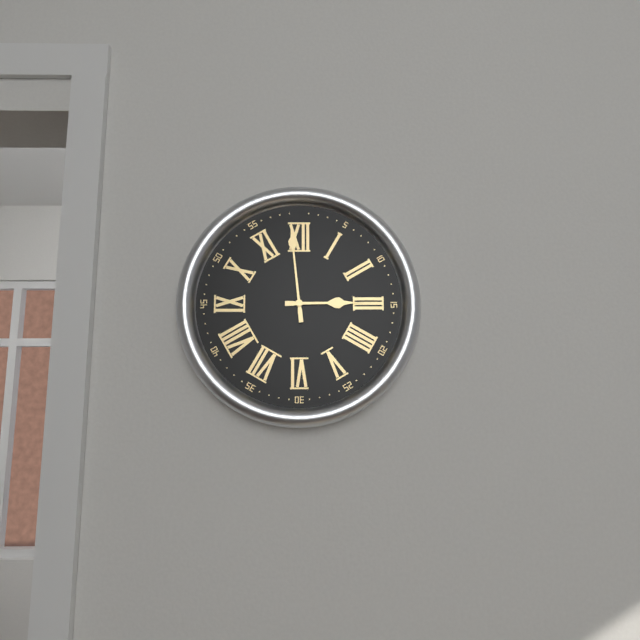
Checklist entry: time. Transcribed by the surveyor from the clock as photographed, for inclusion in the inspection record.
2:59
